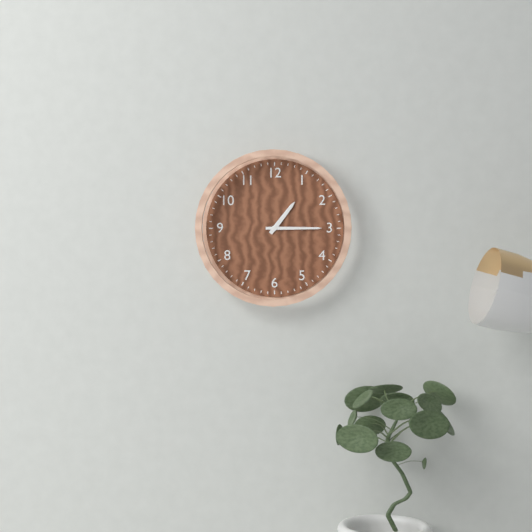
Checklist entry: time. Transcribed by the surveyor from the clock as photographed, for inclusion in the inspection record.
1:15
